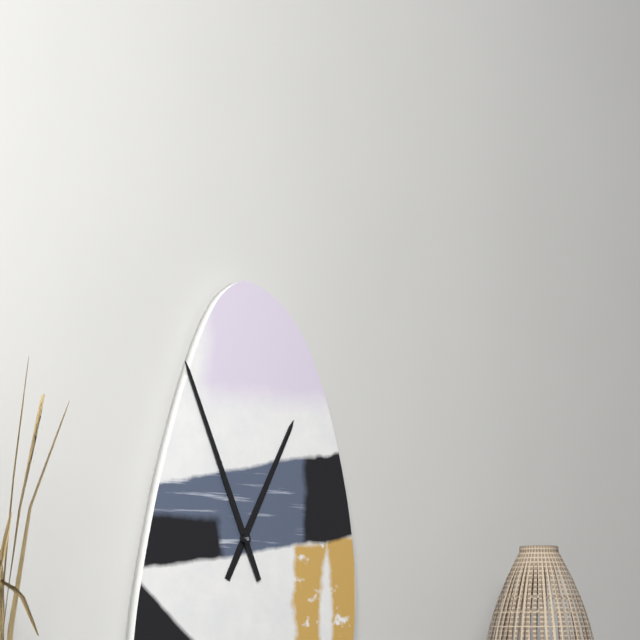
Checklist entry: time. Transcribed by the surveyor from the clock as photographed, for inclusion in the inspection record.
12:56
